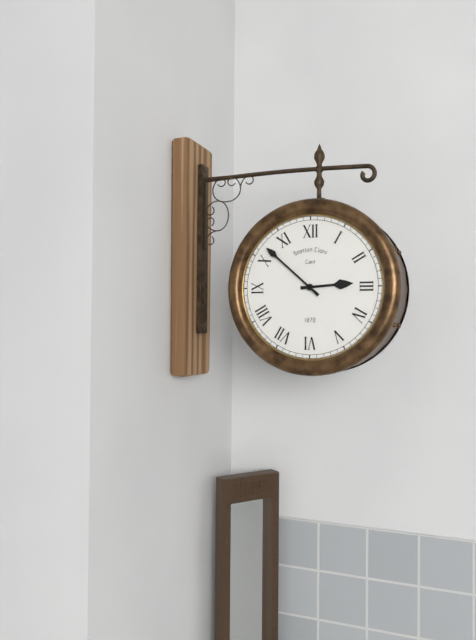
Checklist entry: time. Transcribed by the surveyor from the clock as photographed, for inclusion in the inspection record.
2:52
